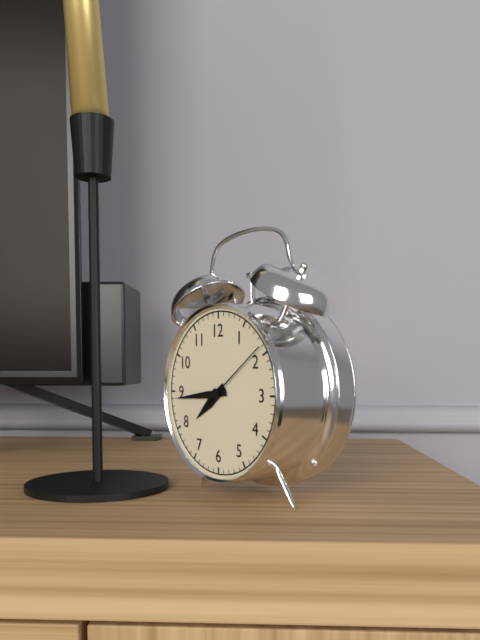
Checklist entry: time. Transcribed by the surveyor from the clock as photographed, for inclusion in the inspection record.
7:44:09
